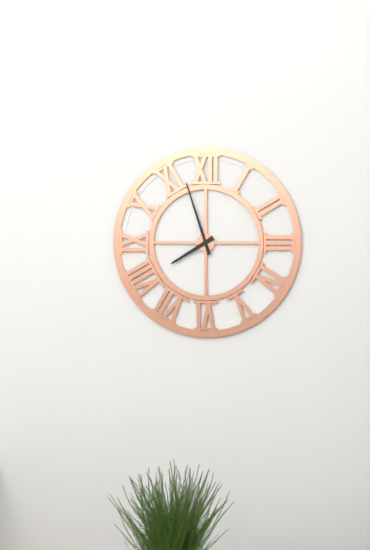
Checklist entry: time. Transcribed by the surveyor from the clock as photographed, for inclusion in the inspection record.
7:57
